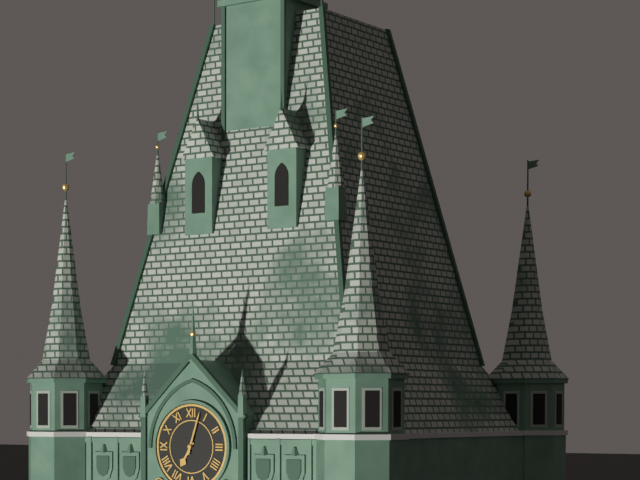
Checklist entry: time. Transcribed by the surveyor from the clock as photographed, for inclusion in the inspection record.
7:03
